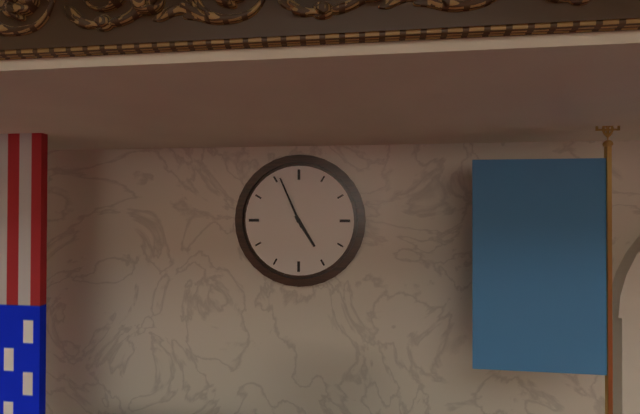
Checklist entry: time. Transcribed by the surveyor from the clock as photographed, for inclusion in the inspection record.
4:56
